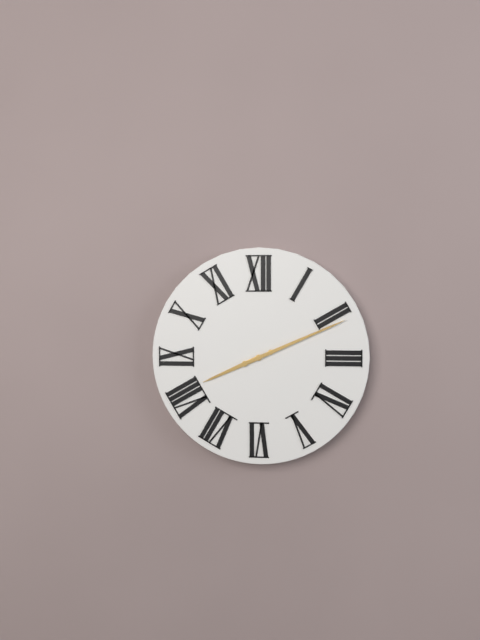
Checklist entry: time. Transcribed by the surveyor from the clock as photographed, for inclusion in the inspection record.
8:11
